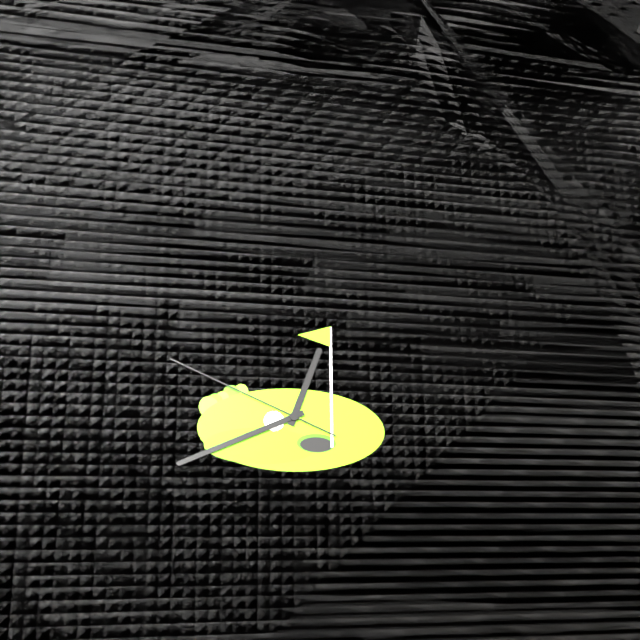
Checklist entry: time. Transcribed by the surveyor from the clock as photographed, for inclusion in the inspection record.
12:41:49
